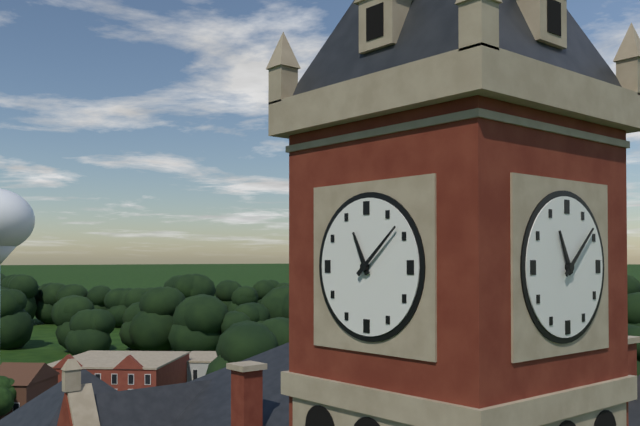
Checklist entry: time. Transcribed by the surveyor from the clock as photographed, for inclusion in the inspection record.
11:08
